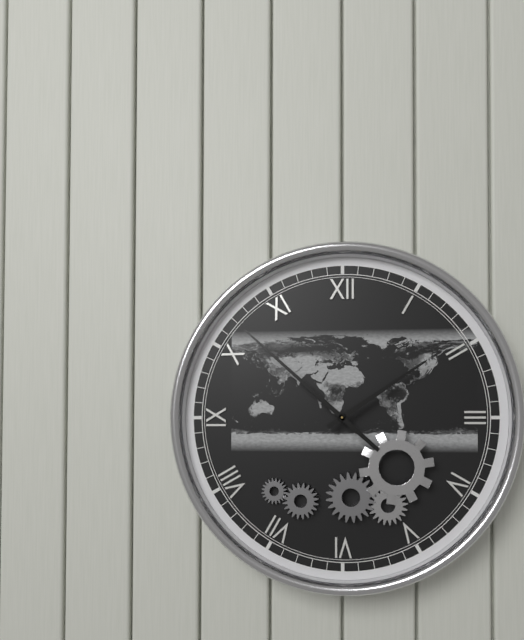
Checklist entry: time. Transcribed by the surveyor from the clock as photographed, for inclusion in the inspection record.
1:52
